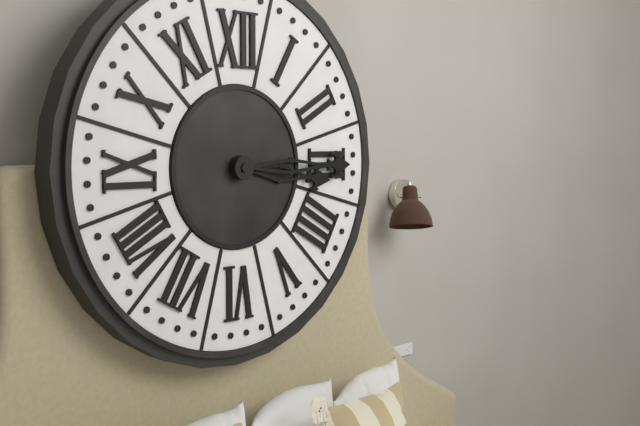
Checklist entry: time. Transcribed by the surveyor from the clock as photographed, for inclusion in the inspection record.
3:15
